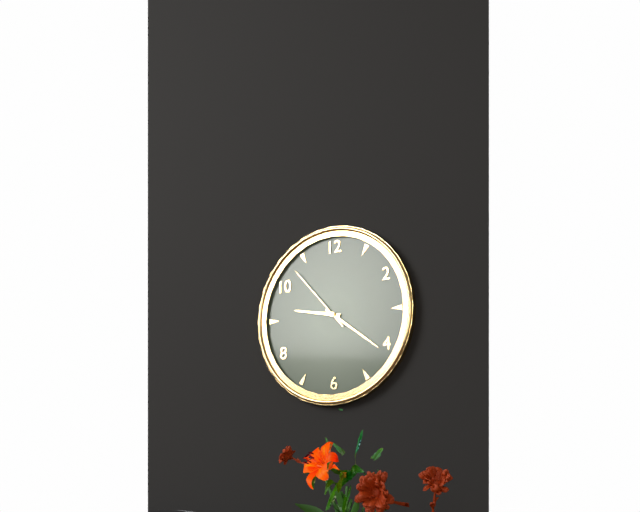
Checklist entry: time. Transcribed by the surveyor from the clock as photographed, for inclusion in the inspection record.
9:21:53
